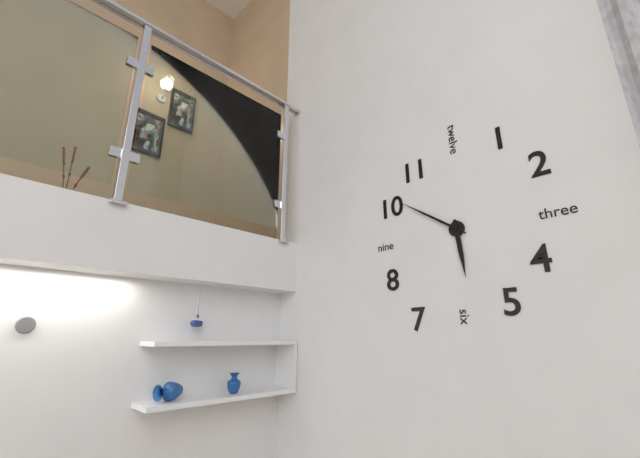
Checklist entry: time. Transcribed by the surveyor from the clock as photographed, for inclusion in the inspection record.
5:51
